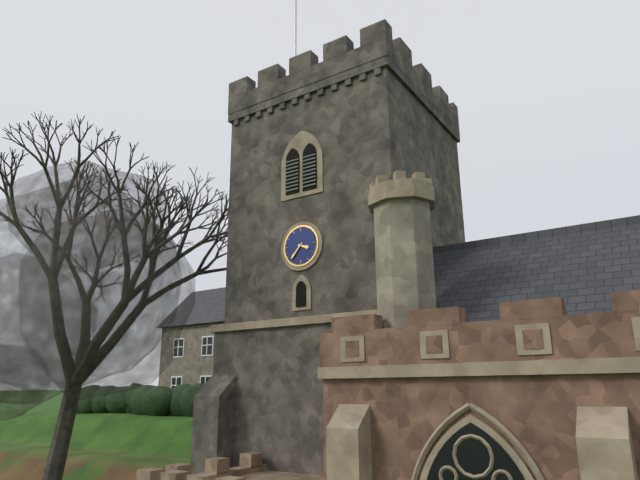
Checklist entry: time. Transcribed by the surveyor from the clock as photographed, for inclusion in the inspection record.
3:37
